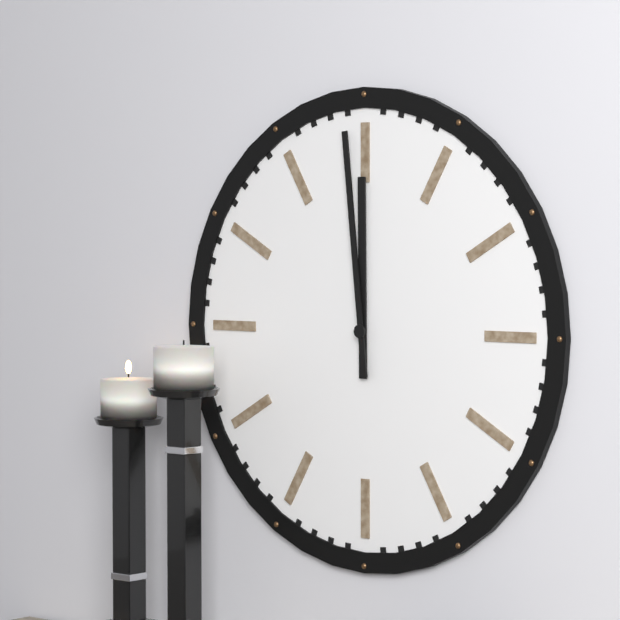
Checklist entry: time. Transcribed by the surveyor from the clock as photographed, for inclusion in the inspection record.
11:59
